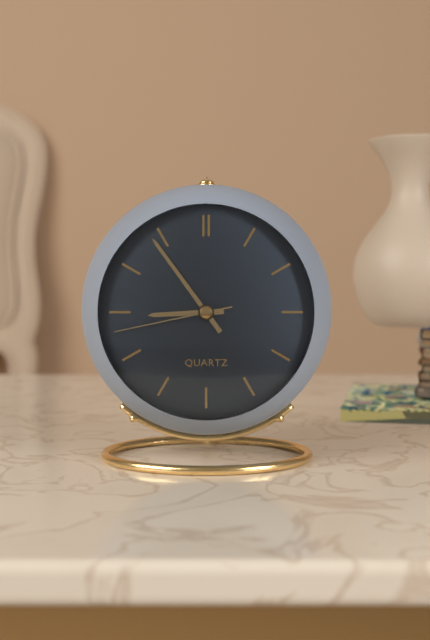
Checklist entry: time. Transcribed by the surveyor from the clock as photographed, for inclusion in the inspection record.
8:54:43
